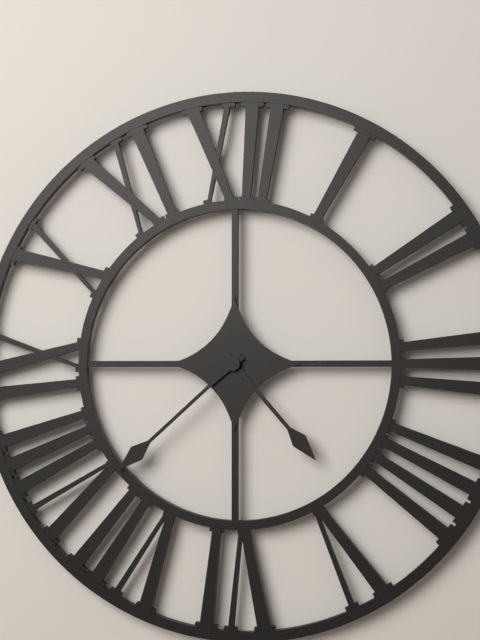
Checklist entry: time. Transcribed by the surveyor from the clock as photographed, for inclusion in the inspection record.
4:38
